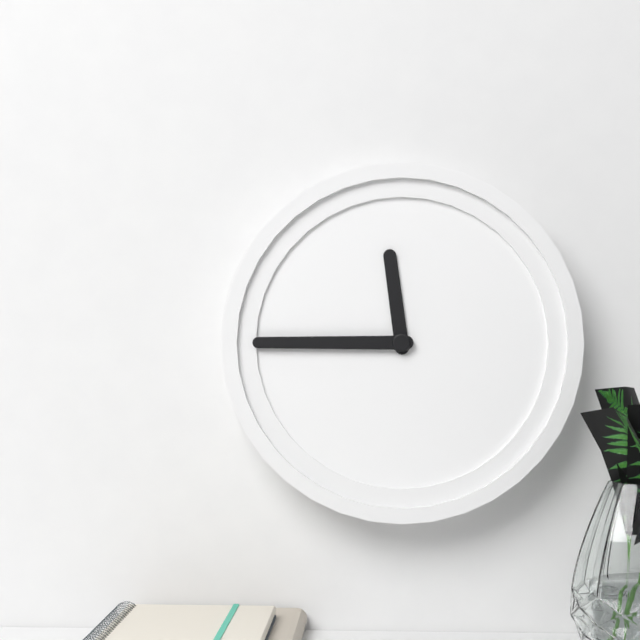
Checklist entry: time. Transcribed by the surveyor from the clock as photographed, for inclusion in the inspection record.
11:45
